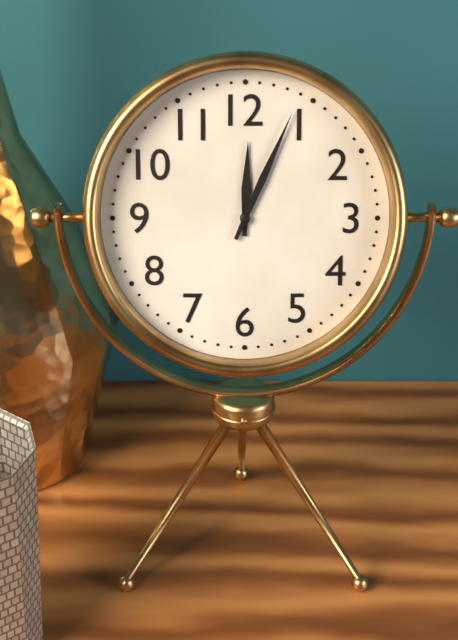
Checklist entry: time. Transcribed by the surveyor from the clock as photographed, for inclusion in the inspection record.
12:04
